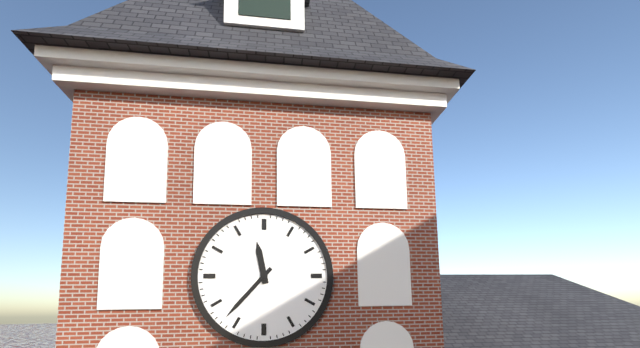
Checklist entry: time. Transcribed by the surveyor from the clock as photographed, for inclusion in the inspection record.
11:37
